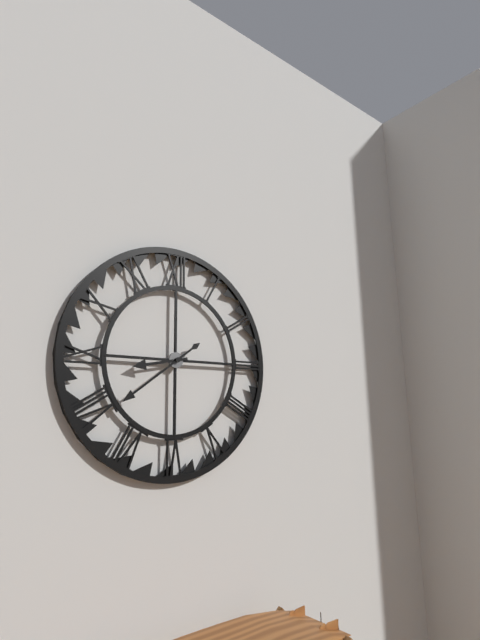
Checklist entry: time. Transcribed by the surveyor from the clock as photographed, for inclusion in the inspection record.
8:39
